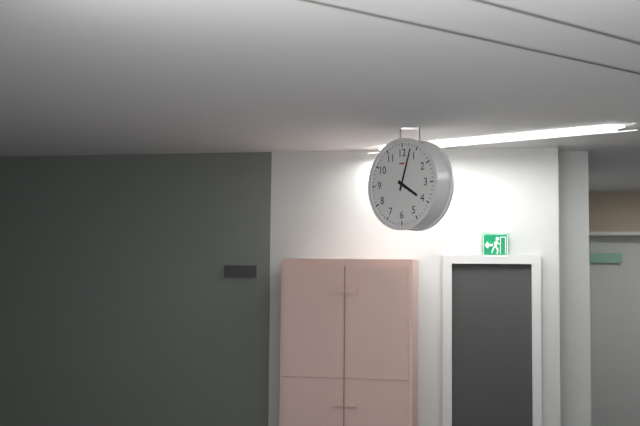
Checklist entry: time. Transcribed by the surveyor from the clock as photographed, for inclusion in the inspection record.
4:03
